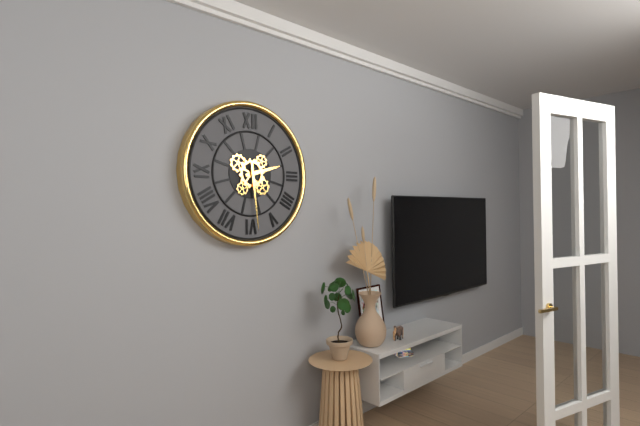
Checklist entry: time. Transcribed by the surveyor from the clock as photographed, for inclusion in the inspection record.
2:29
